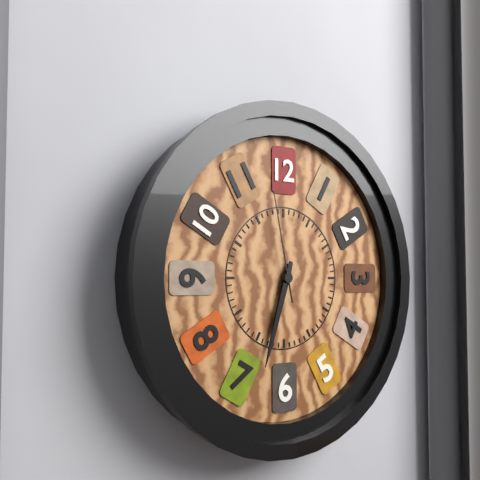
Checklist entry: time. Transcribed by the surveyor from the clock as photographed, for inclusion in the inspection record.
6:33:58
